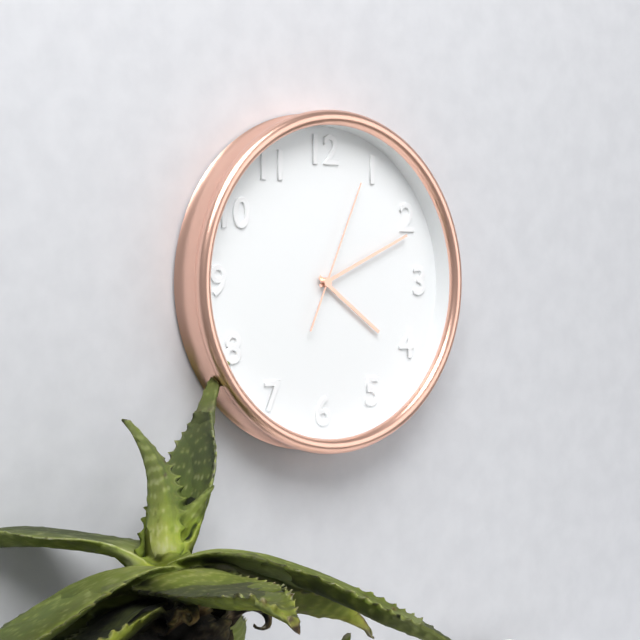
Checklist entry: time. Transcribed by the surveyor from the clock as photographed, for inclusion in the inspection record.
4:11:04
